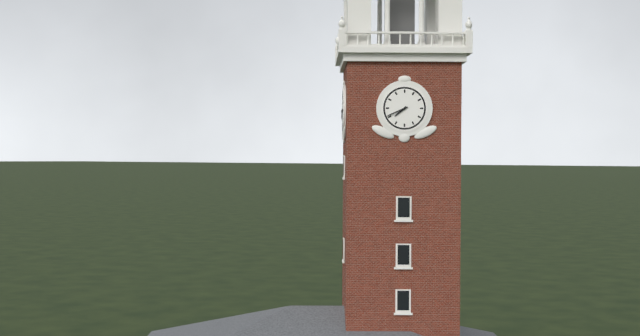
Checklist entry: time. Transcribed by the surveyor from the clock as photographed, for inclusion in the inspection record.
7:41
